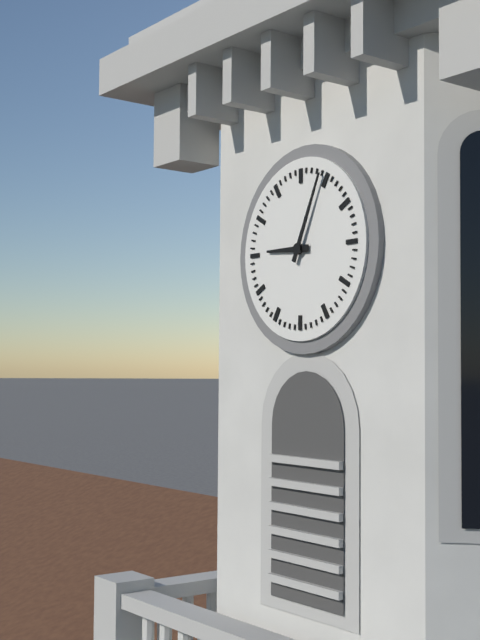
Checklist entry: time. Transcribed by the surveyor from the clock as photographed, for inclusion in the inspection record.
9:04
